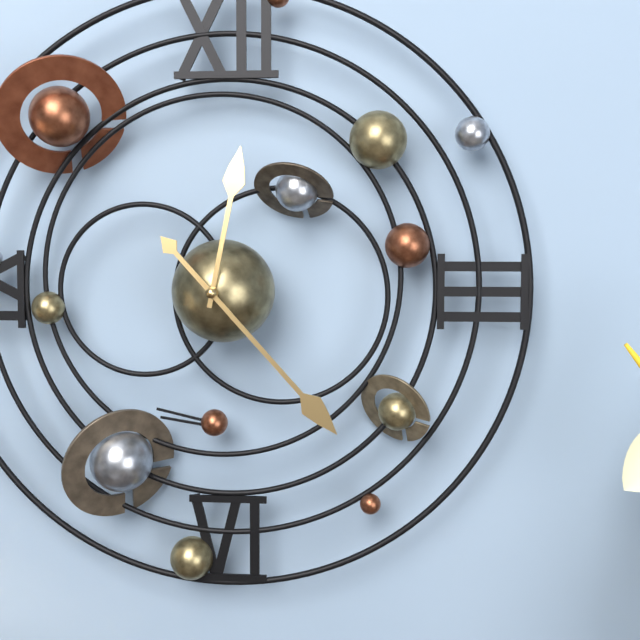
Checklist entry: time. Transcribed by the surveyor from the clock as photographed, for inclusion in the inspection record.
12:23
